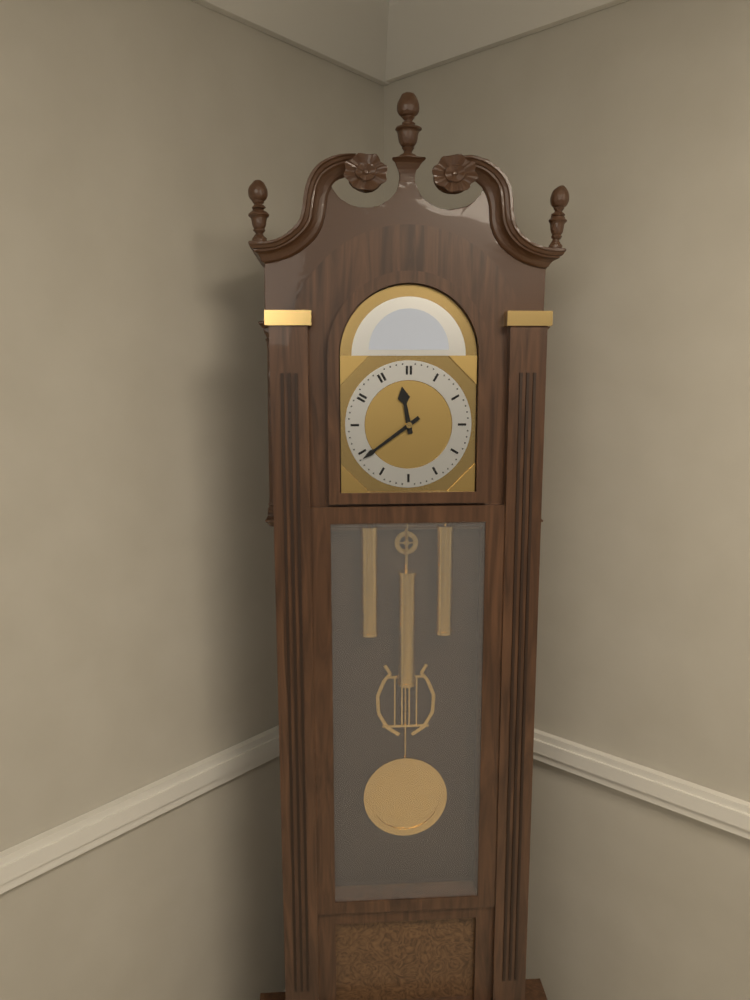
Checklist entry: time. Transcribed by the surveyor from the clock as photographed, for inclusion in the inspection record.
11:39
